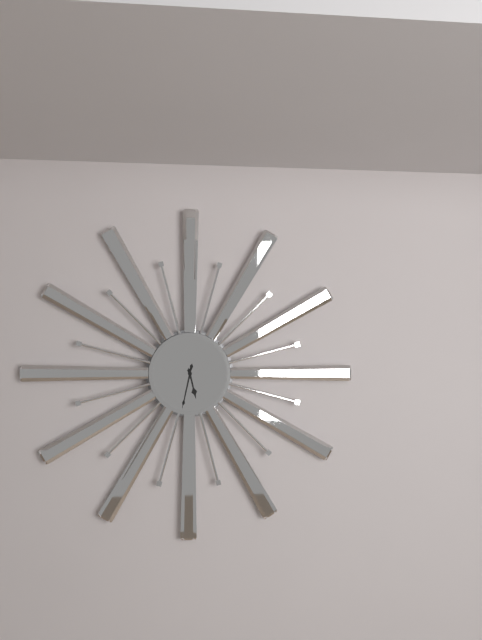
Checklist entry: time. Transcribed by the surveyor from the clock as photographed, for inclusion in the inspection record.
5:32
